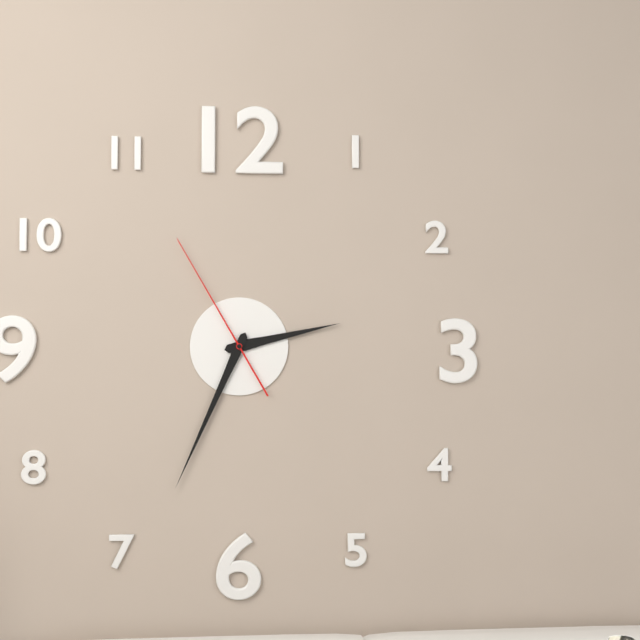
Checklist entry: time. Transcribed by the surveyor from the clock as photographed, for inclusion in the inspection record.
2:34:55
